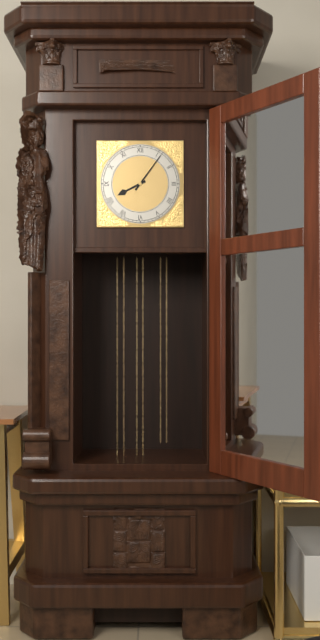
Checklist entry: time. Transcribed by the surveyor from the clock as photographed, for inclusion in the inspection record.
8:06
